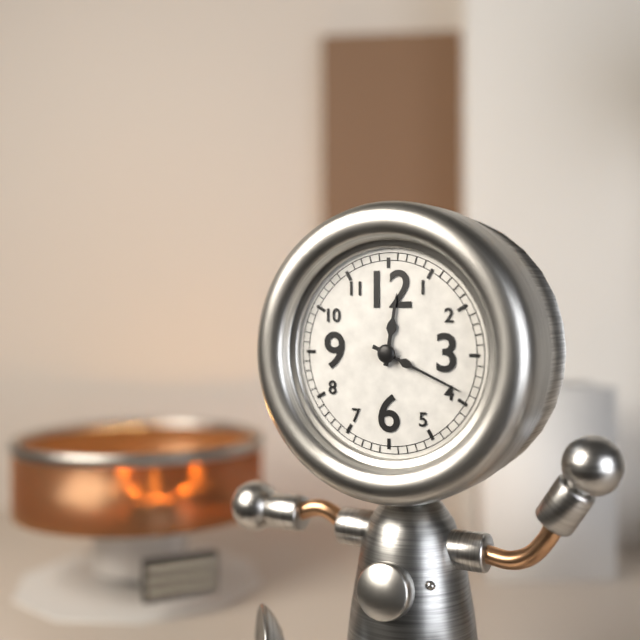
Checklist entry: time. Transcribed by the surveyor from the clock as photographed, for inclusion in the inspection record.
12:19
